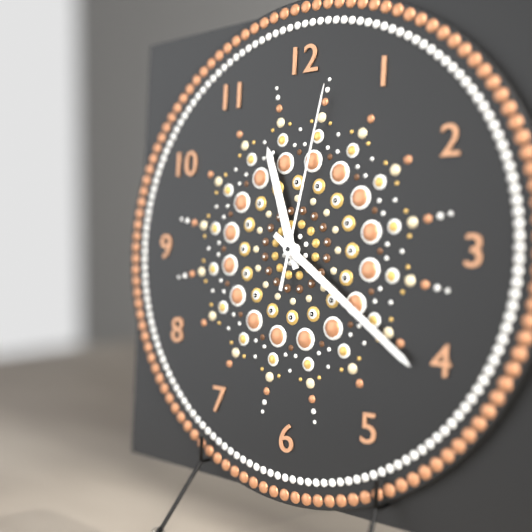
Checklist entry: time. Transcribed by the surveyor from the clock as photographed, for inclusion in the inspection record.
11:21:02
